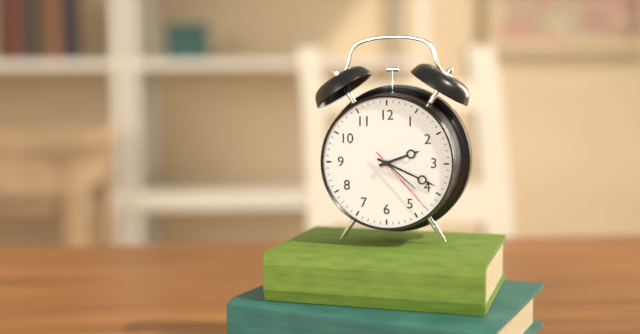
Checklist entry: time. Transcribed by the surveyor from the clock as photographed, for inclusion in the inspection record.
2:19:23
